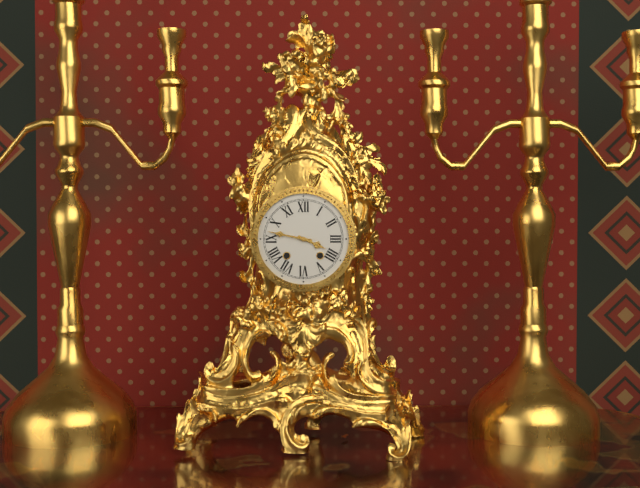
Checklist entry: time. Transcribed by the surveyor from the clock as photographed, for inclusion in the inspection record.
3:47
